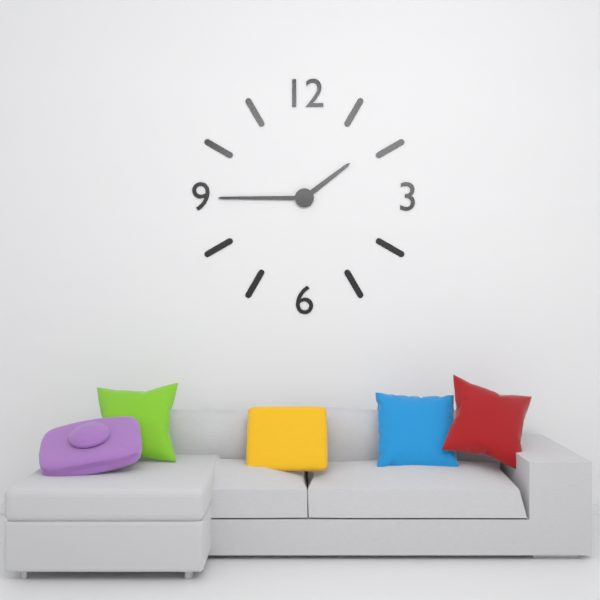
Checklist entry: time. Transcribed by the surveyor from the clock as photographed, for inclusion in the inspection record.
1:45
